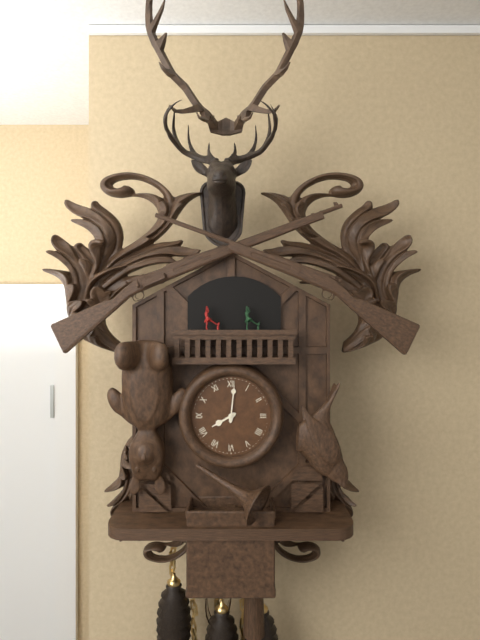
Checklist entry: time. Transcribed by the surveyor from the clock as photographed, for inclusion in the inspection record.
8:01
